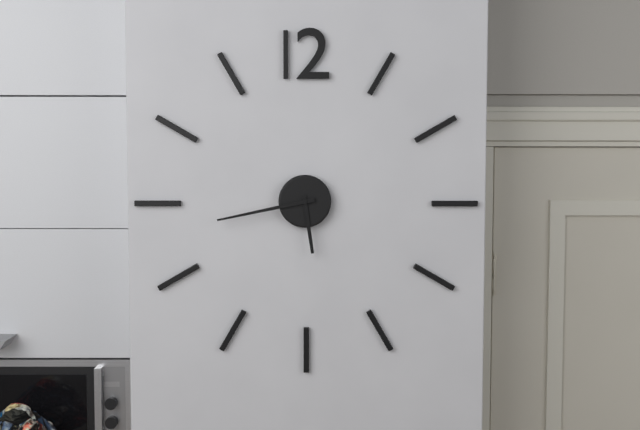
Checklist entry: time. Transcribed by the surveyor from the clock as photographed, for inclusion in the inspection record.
5:43
